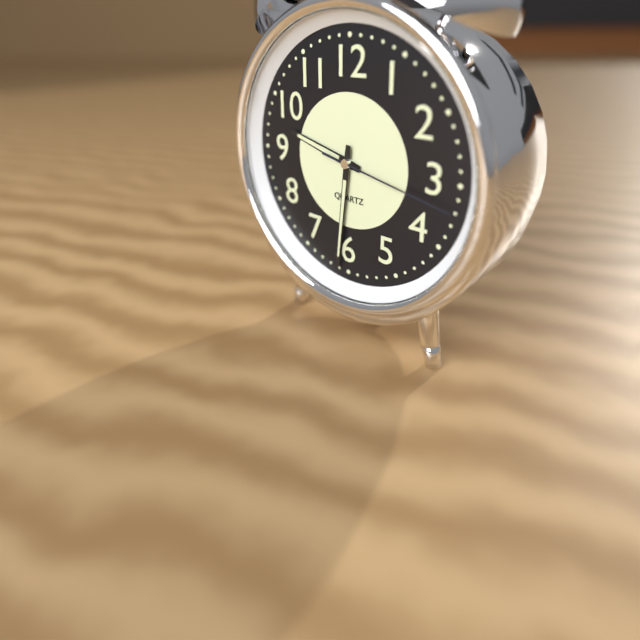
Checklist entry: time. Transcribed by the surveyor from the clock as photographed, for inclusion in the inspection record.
9:31:17
